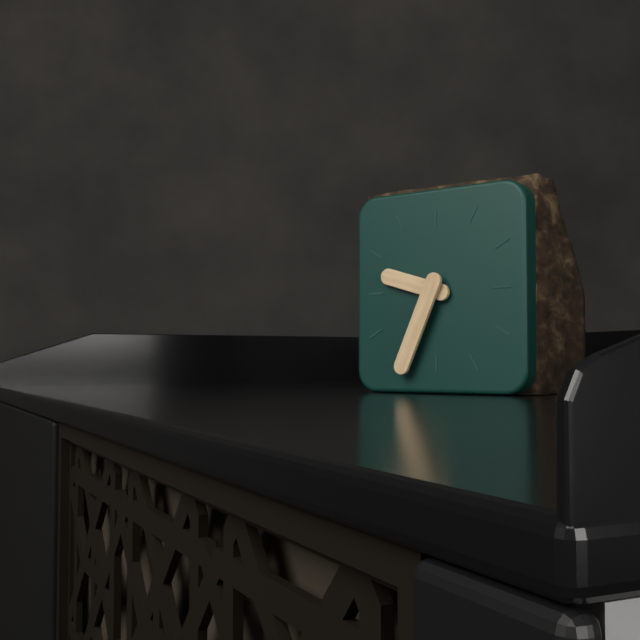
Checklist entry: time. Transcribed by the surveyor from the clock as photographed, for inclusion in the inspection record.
9:34
